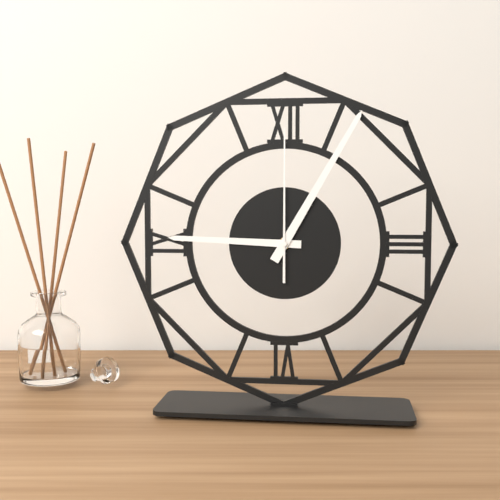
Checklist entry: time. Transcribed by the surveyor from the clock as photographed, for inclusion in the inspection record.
9:05:00
